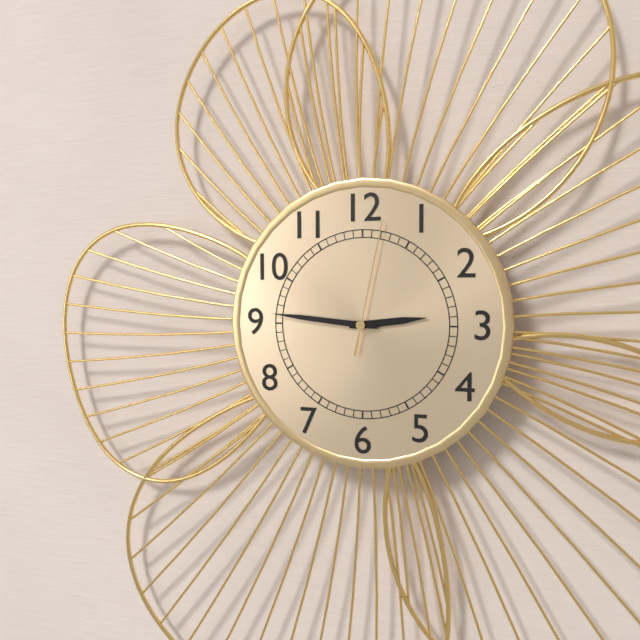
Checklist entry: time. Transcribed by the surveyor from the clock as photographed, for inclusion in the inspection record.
2:46:02
